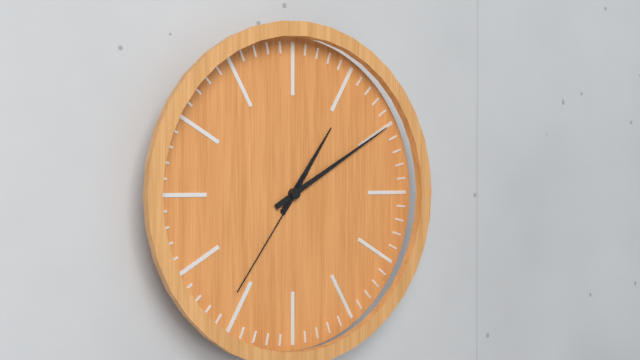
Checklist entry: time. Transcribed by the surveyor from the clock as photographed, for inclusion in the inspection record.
1:10:36
